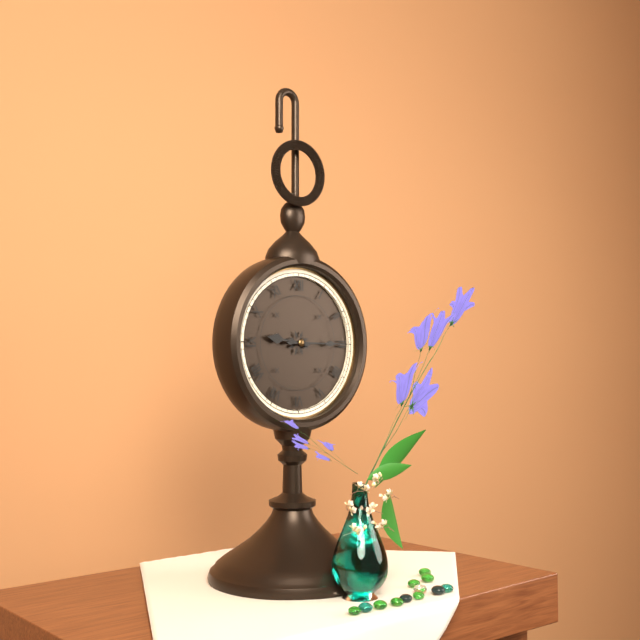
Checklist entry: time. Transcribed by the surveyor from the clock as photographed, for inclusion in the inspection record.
9:15
